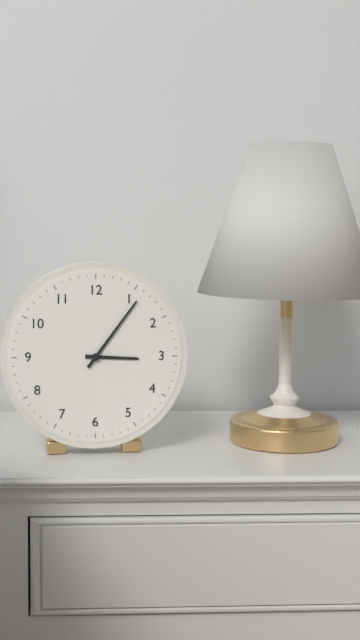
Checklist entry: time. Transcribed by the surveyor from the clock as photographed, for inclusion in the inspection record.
3:06
